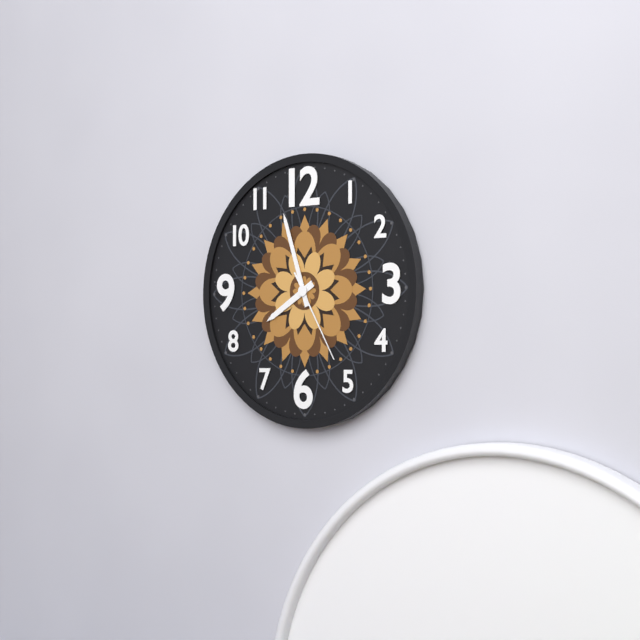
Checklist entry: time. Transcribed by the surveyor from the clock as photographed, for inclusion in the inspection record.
7:57:25
